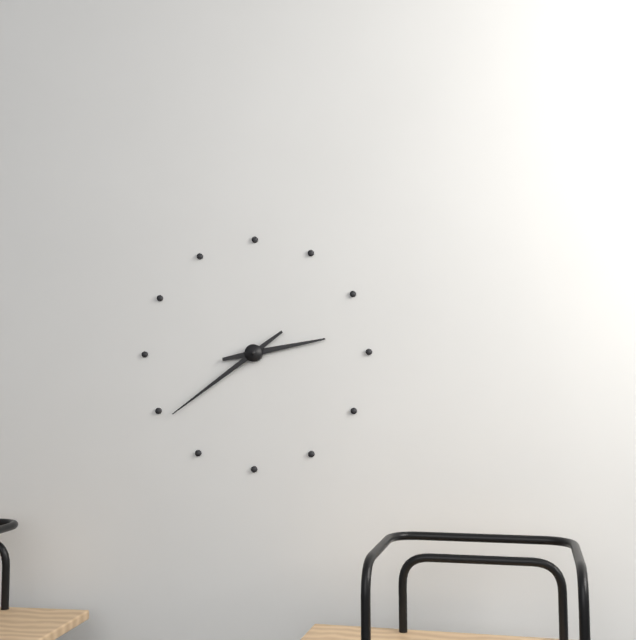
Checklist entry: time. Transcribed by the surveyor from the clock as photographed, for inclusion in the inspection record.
2:39
